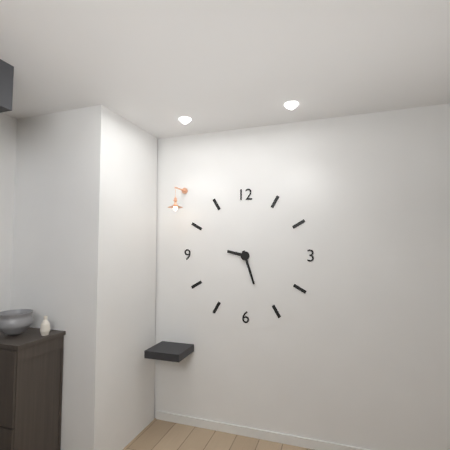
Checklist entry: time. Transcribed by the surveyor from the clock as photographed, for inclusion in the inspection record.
9:27
